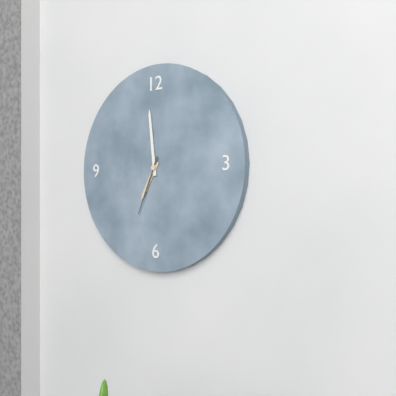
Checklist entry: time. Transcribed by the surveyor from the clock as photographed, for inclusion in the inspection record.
6:59:34
